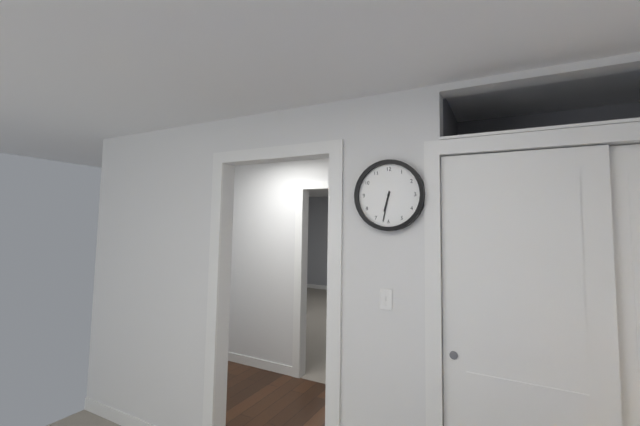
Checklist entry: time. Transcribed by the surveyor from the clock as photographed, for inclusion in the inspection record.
6:32
